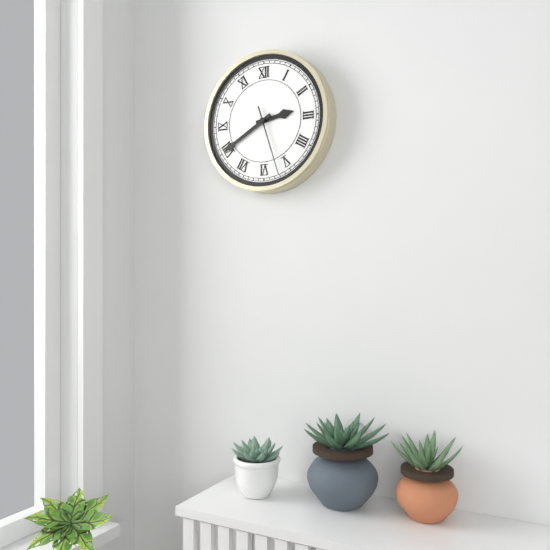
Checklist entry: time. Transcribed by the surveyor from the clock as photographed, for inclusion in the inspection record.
2:40:27
